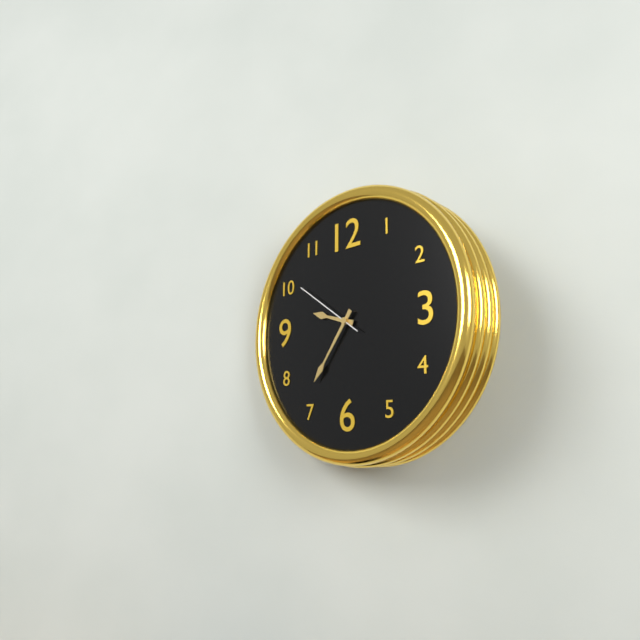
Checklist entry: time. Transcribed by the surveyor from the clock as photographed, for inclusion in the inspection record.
9:36:51
